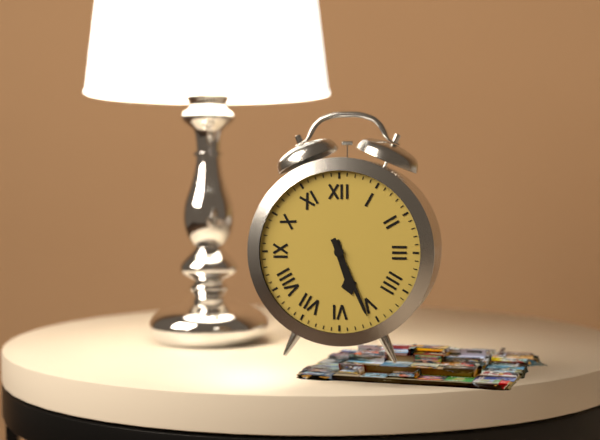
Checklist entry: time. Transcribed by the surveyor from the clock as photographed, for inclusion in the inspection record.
5:26
